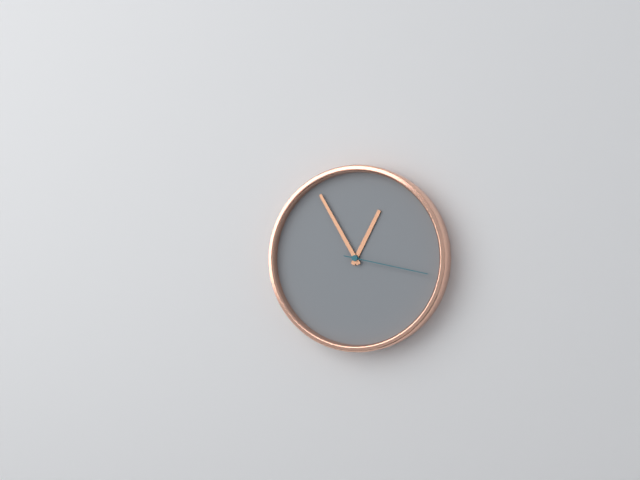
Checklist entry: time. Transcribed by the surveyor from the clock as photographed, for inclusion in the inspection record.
12:55:17
